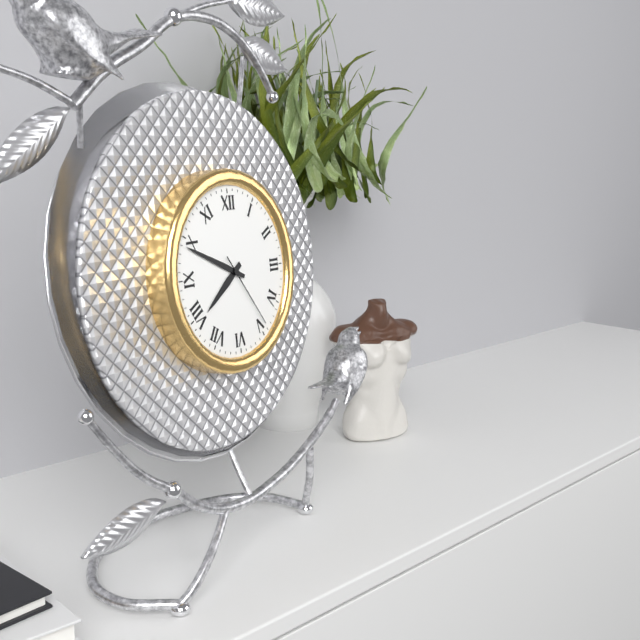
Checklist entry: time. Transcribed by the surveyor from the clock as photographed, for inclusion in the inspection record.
7:49:24
